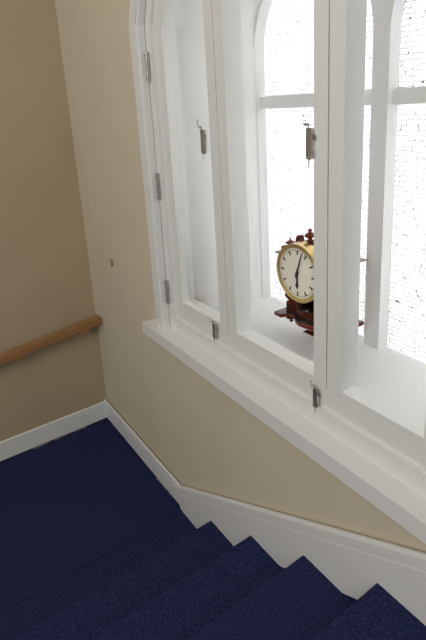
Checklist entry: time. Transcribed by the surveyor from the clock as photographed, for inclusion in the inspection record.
6:03
